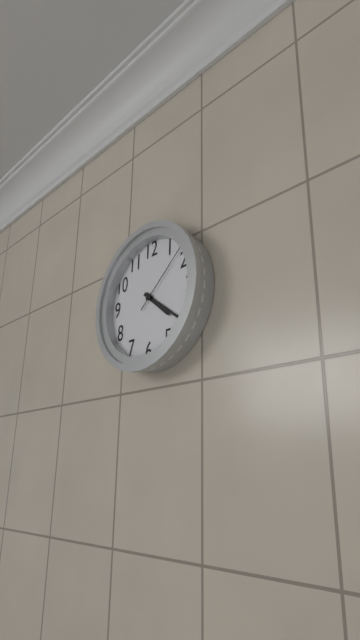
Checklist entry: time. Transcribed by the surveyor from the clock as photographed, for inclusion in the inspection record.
4:21:08
